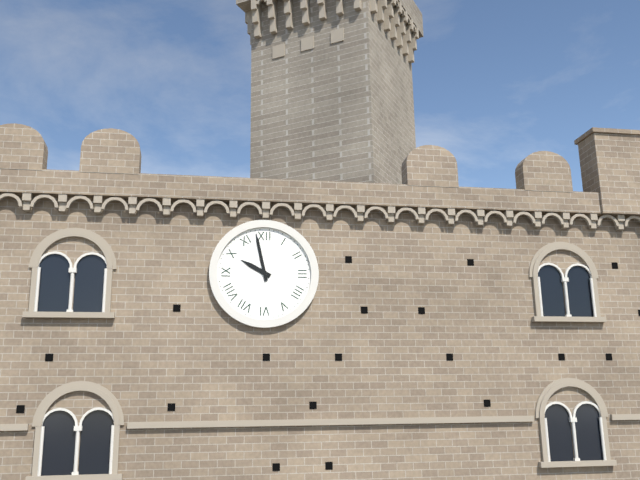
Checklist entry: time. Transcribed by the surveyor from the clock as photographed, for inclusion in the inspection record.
9:58
